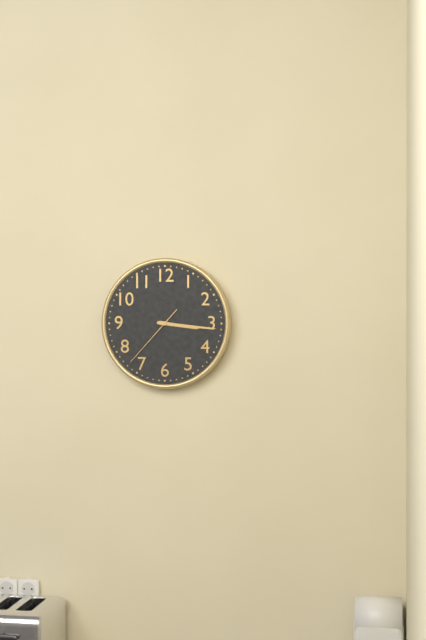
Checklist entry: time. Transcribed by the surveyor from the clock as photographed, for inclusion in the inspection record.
3:16:37
